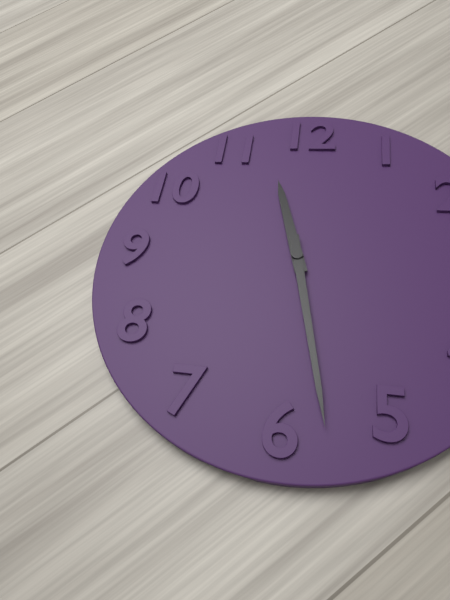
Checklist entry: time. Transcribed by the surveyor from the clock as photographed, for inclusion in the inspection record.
11:28
